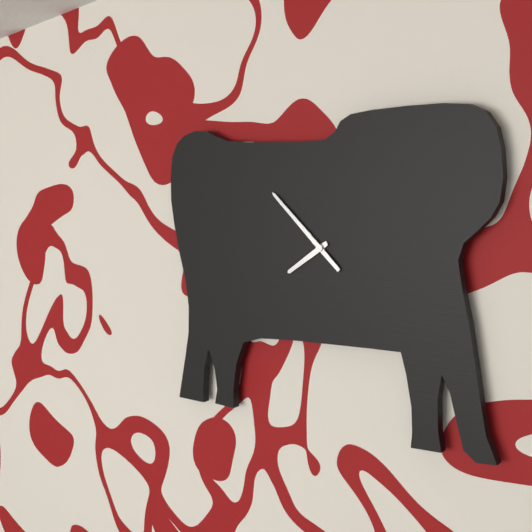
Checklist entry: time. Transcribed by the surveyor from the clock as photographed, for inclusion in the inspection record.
7:52
